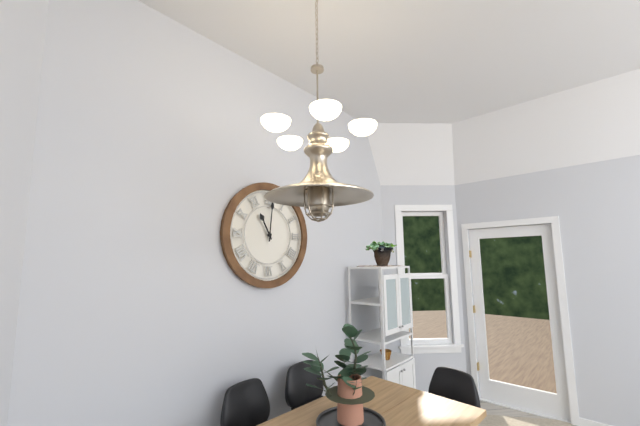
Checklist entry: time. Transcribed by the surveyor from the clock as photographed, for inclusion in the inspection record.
11:01
